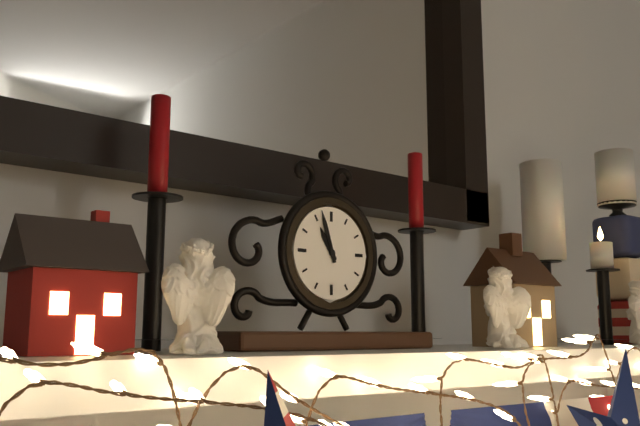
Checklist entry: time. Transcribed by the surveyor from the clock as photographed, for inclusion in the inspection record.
10:57
